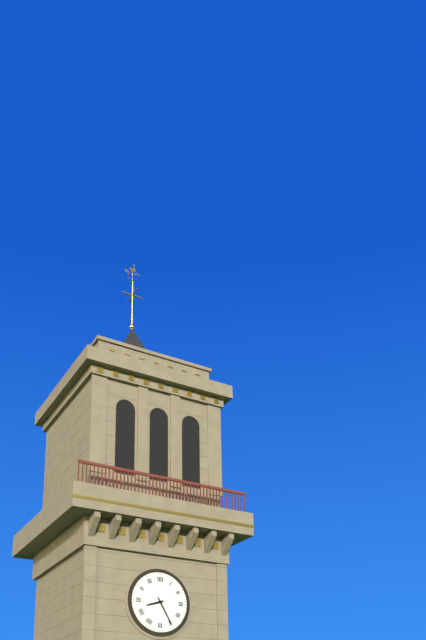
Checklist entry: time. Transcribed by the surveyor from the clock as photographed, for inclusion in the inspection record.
8:25
